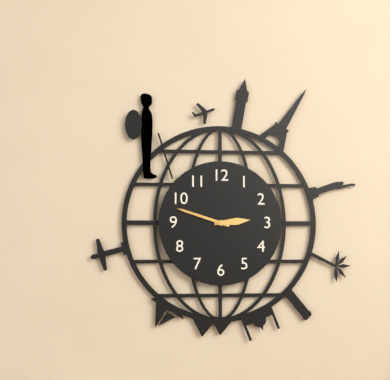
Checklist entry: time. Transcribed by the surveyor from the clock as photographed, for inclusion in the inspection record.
2:48
